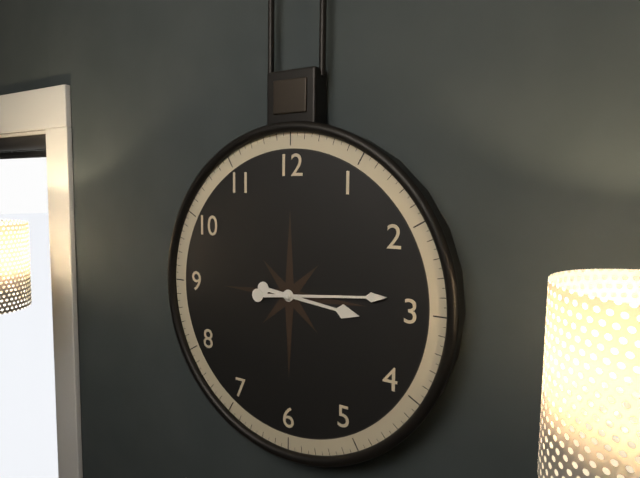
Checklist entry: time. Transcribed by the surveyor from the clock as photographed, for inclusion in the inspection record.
3:14
